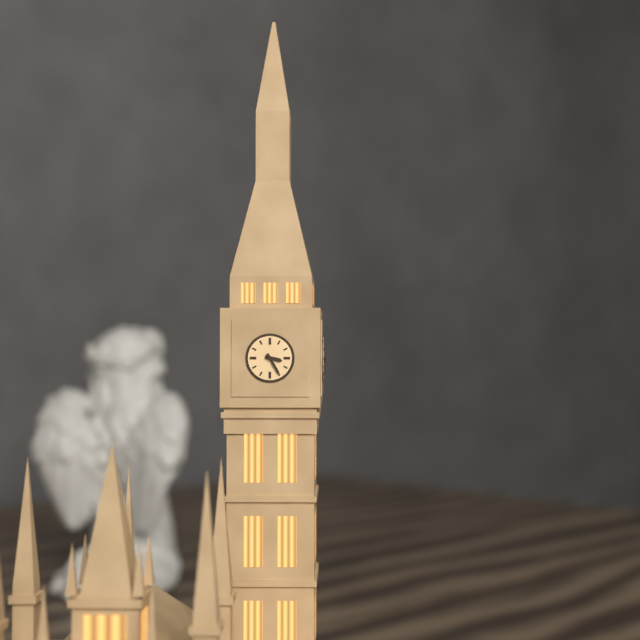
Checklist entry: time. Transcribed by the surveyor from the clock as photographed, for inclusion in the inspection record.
3:25
